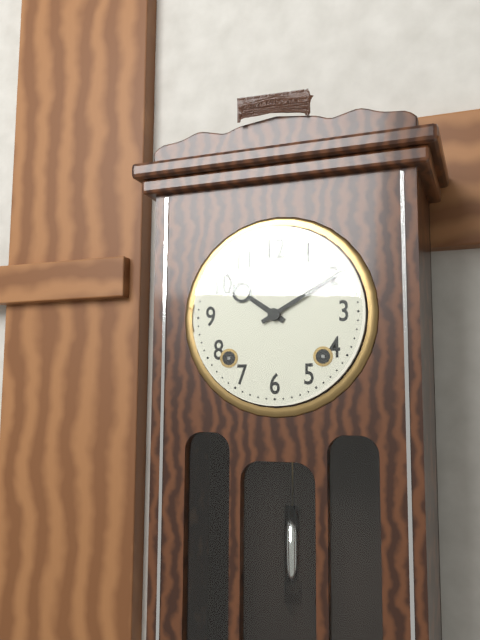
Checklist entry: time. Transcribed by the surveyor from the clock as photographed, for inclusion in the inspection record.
10:10
